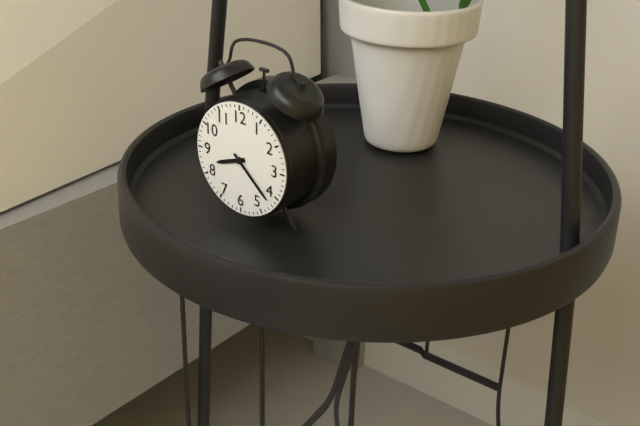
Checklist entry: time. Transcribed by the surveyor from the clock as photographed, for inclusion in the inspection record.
8:22
